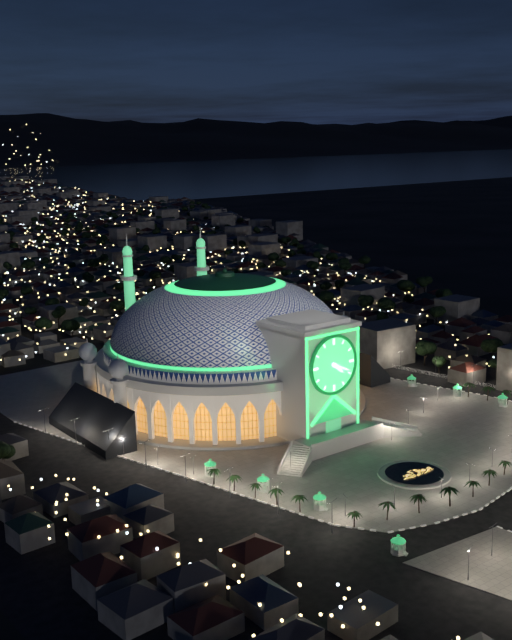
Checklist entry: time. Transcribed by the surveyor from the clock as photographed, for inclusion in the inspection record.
4:19
